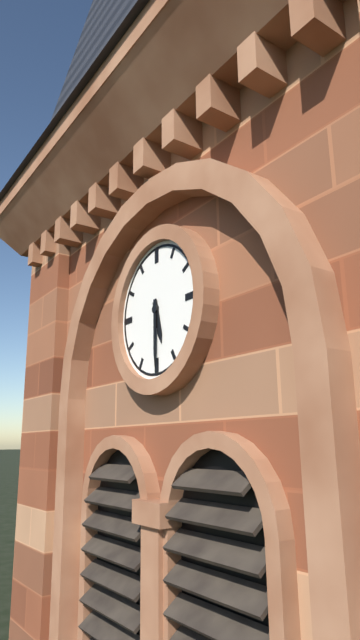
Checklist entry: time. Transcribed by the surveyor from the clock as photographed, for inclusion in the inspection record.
5:30
